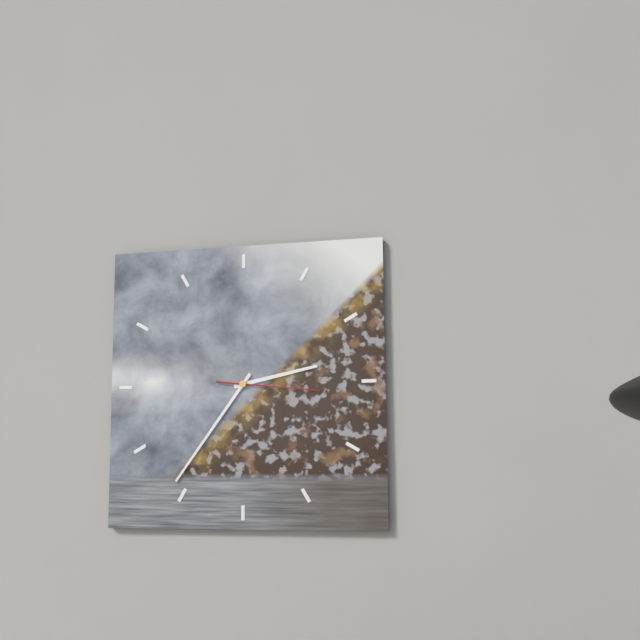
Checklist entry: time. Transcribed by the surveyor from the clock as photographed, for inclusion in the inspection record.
2:36:16
